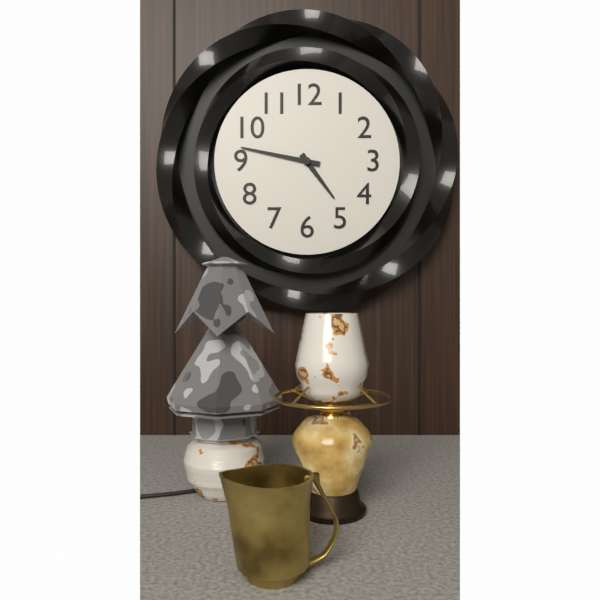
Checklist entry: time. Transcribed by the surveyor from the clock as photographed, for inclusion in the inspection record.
4:47
